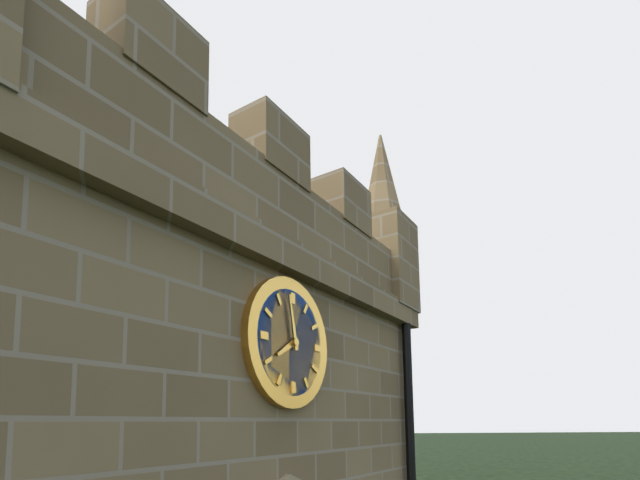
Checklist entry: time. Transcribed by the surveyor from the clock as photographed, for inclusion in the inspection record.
7:58
